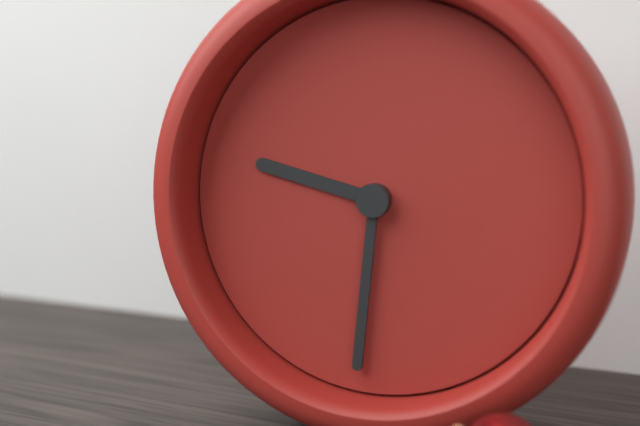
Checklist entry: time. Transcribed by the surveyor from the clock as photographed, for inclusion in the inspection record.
9:31
